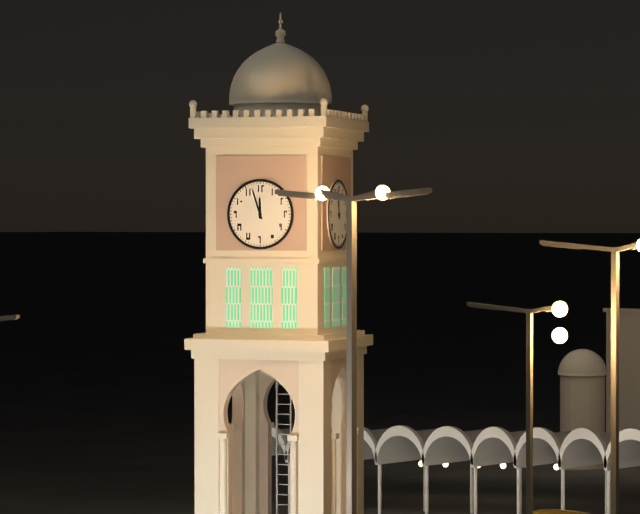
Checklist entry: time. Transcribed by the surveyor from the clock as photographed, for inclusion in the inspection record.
11:57
